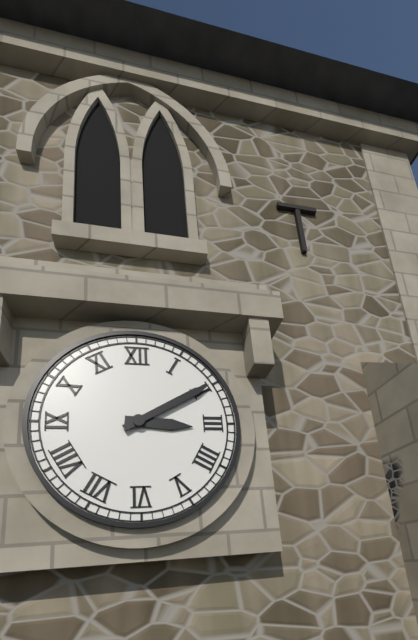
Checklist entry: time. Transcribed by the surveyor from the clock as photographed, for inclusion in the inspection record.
3:10
